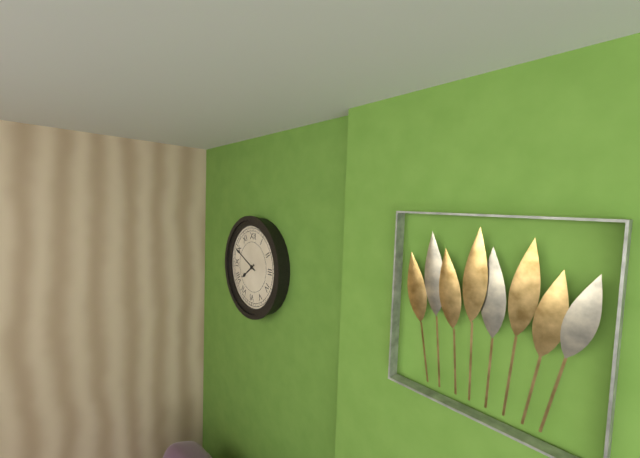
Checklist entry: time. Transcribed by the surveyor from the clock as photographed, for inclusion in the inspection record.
7:49
